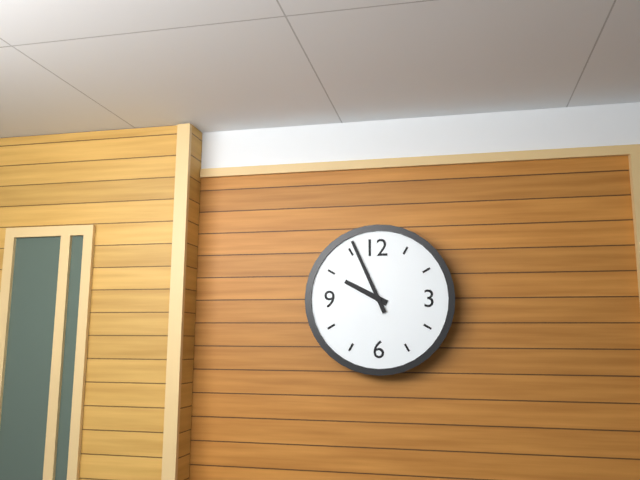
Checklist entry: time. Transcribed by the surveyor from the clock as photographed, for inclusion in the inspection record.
9:56
